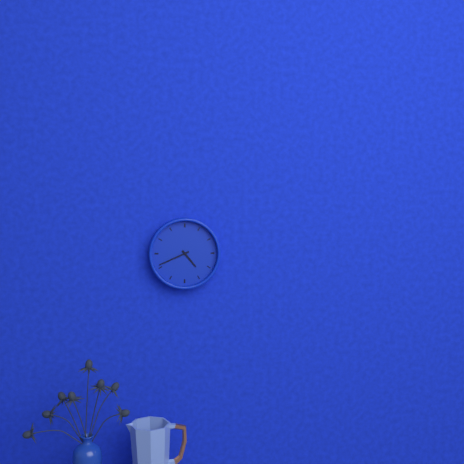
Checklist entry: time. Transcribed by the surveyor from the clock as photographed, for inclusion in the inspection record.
4:41
